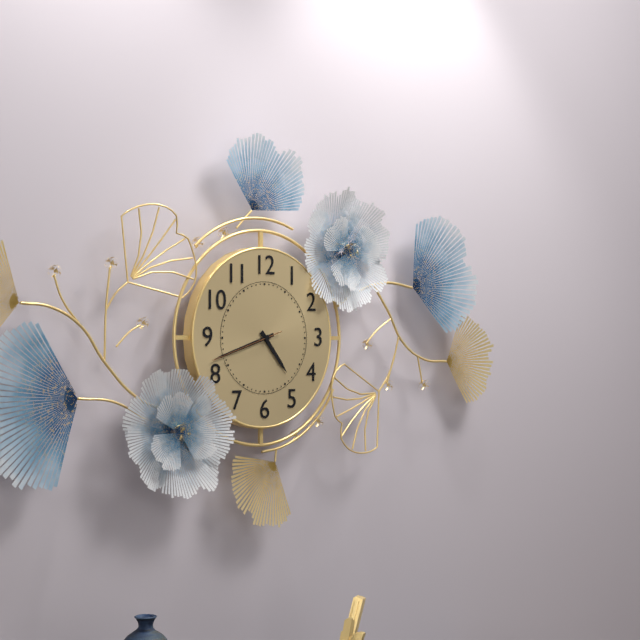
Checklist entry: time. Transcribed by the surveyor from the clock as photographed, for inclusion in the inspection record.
4:42:42
